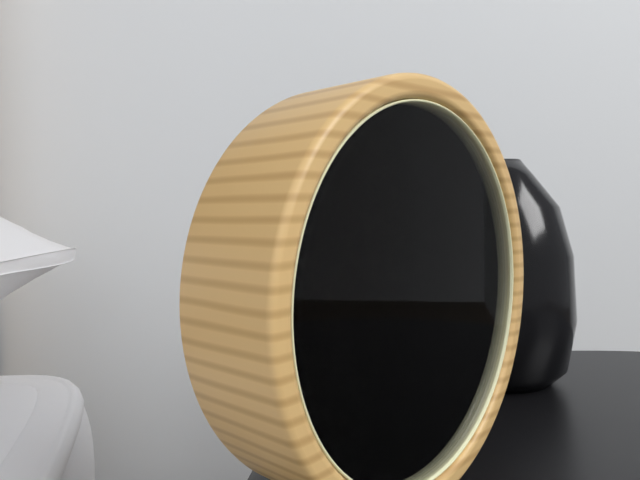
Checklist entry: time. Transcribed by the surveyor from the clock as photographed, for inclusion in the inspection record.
12:29:26
